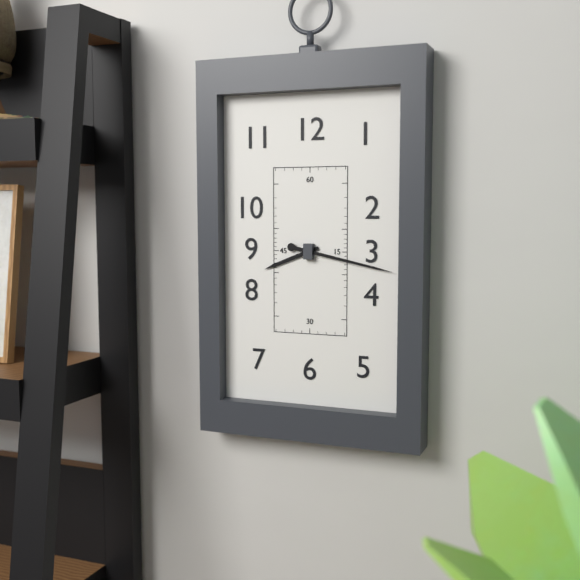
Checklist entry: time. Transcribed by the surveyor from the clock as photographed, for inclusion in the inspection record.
8:17
